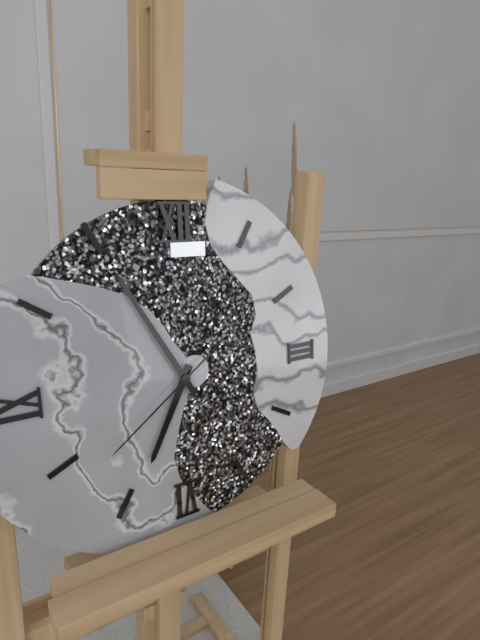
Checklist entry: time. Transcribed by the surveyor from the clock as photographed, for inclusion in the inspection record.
6:55:39
